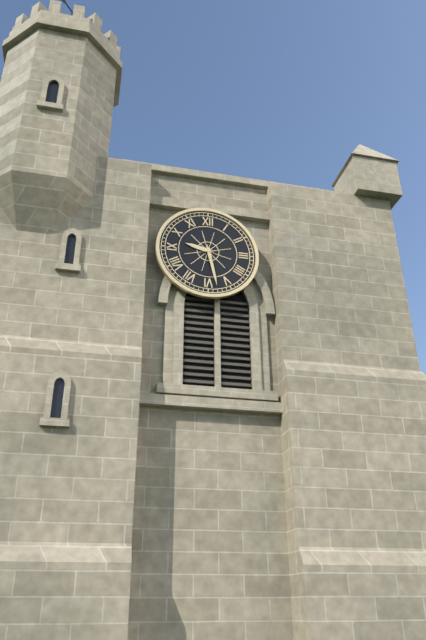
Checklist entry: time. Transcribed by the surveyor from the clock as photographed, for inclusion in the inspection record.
9:28
